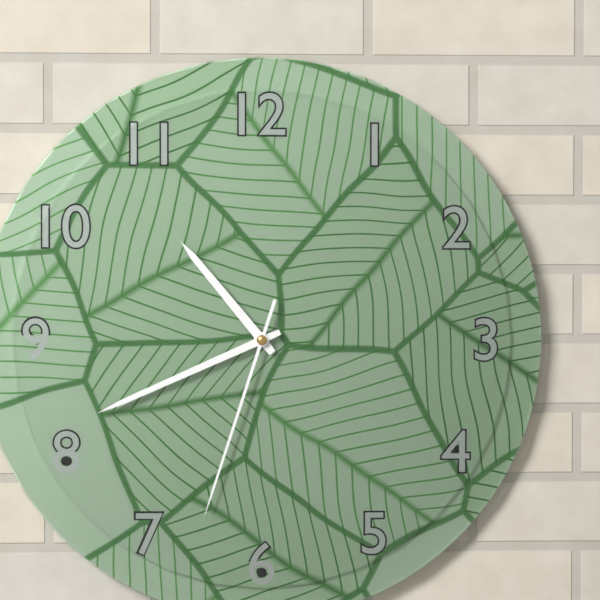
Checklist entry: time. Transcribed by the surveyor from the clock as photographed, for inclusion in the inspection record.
10:41:33
